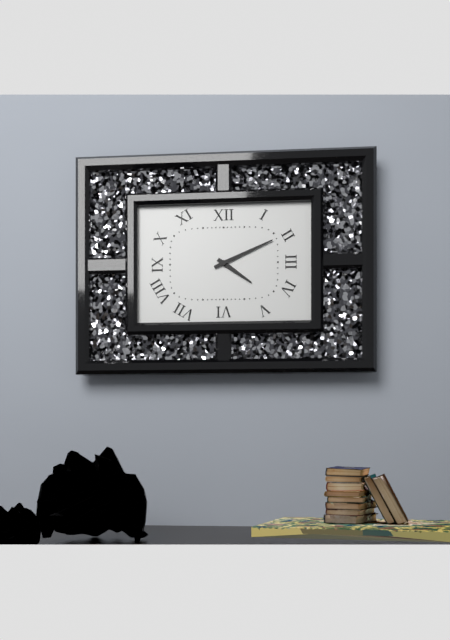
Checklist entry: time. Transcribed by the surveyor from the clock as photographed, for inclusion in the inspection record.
4:11
